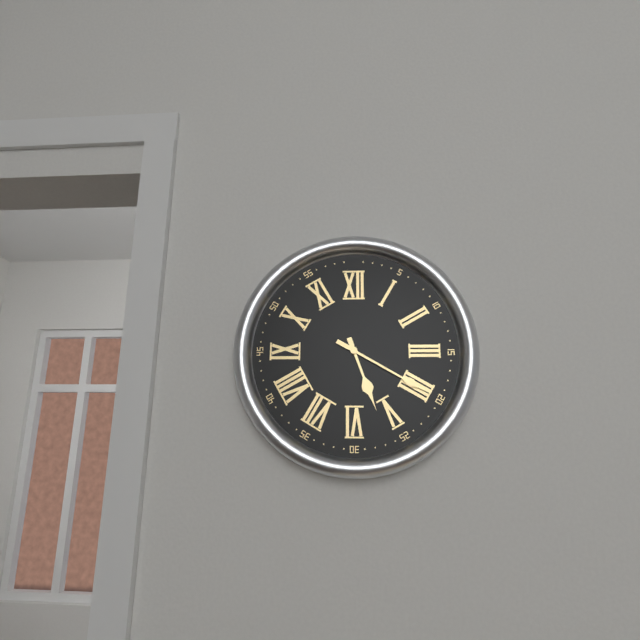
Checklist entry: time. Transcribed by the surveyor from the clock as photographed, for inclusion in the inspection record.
5:20
